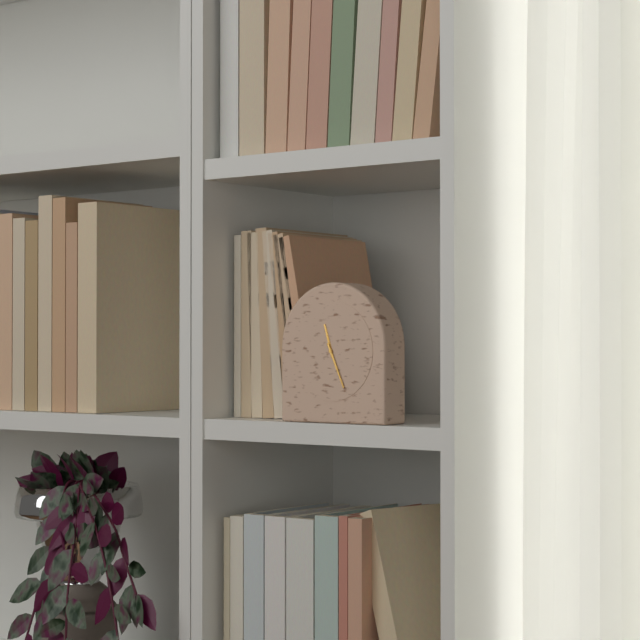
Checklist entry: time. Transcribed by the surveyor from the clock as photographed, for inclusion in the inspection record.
11:26
